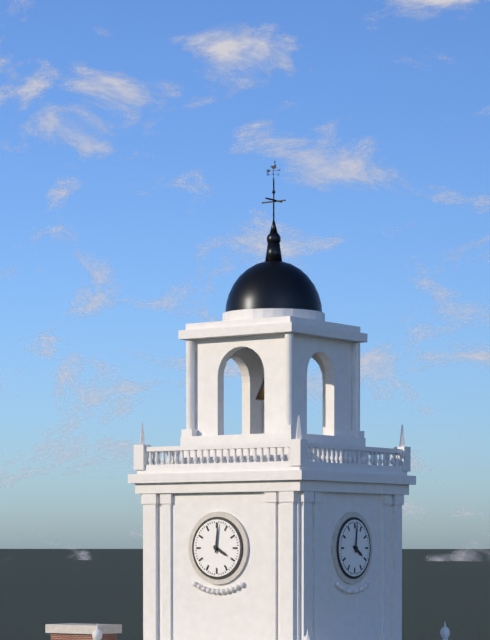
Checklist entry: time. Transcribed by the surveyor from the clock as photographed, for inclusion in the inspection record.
4:01
